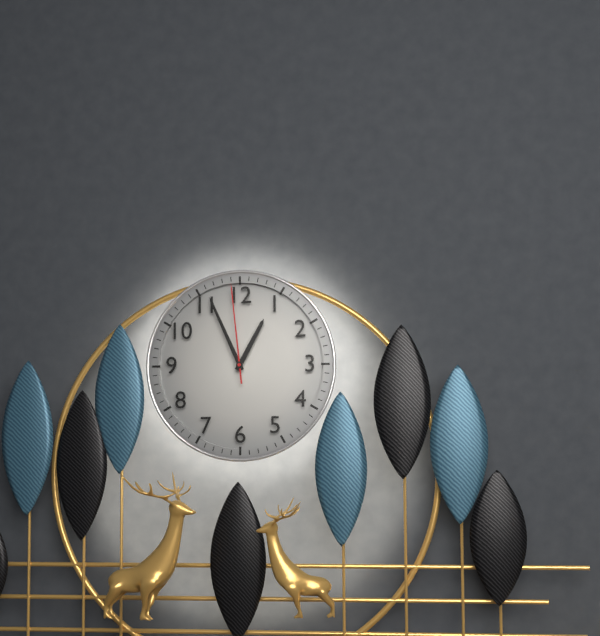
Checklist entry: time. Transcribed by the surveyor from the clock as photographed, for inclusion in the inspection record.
12:56:59
